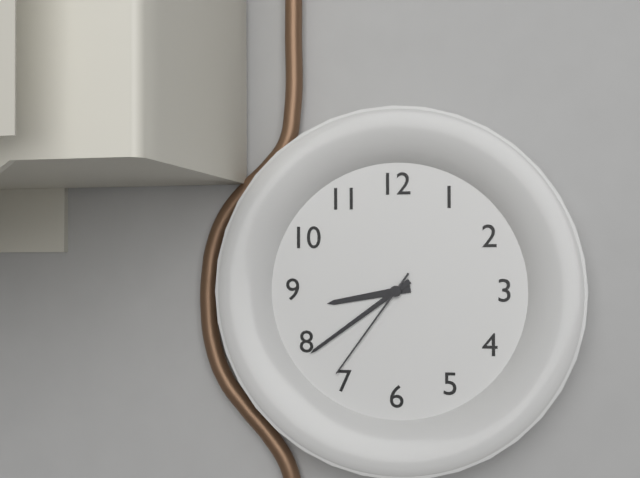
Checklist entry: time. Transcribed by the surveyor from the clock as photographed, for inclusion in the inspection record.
8:39:36
